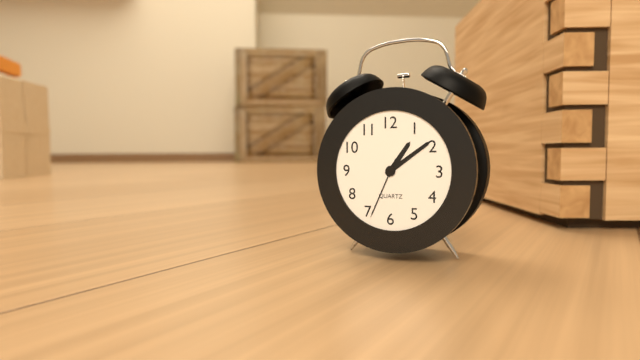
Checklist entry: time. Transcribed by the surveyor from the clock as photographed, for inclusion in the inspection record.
1:09:34
